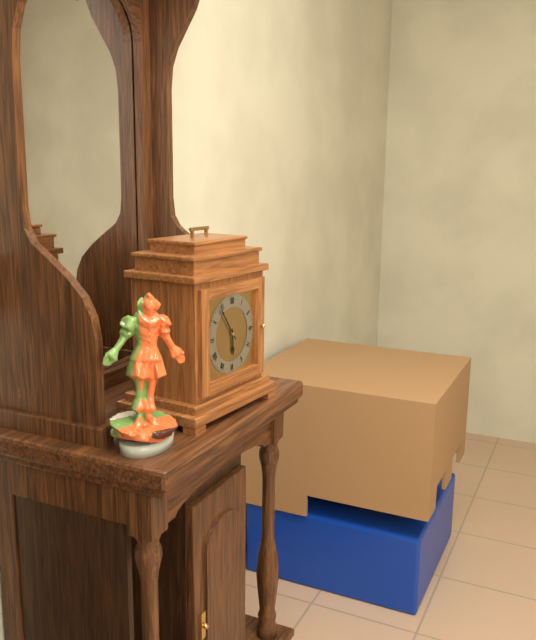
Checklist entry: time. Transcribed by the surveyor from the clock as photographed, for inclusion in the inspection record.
5:54
